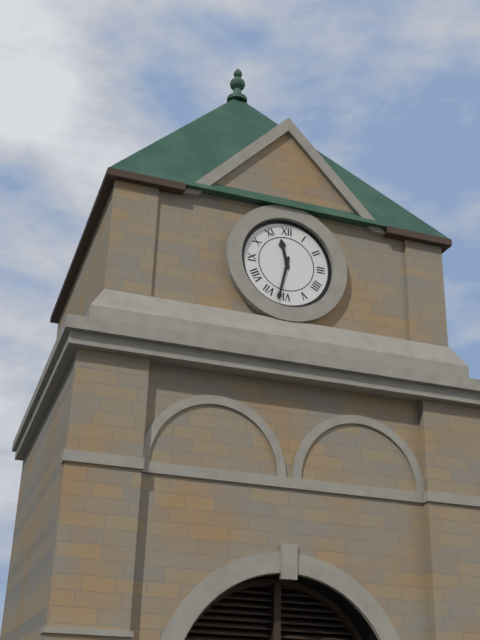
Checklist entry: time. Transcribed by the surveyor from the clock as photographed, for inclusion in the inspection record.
11:32
